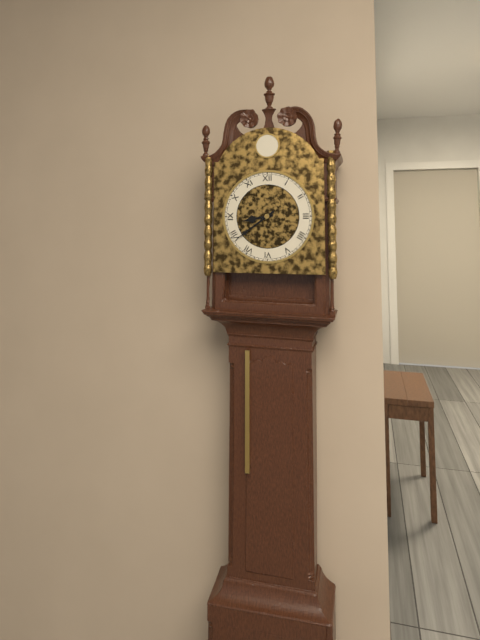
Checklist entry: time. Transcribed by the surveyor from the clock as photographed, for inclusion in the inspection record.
8:39
